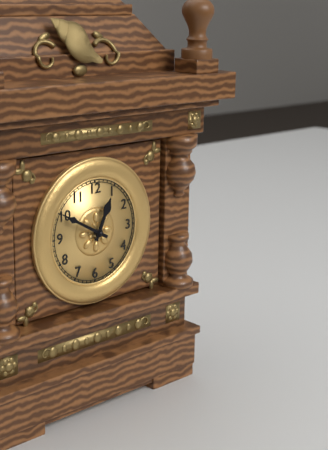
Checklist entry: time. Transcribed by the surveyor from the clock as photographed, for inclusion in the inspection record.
12:50
